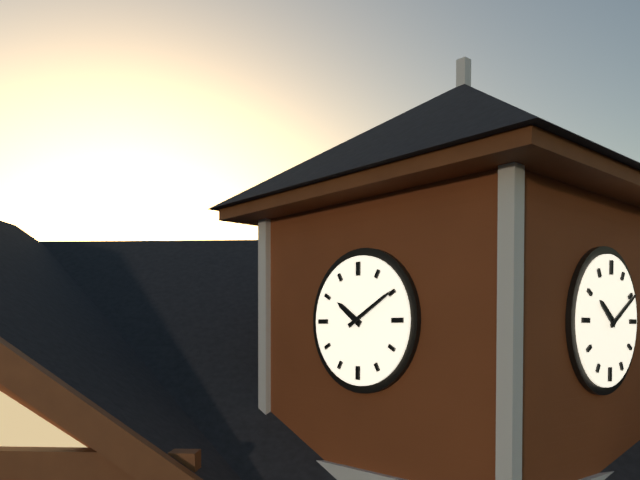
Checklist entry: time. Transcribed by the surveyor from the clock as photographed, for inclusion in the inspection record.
10:10
